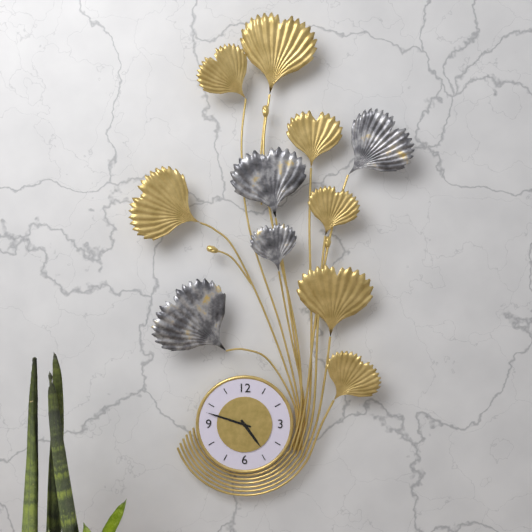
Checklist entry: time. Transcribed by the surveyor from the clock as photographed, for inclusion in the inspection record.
4:48
